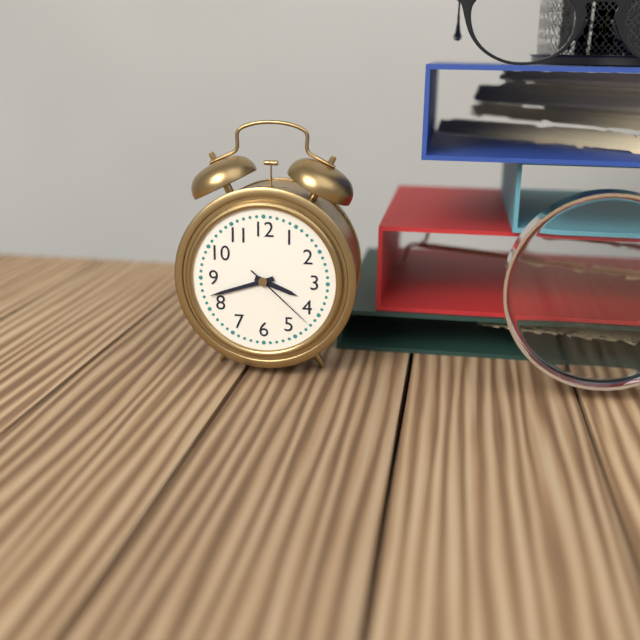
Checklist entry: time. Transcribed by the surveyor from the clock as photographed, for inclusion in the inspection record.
3:42:22
